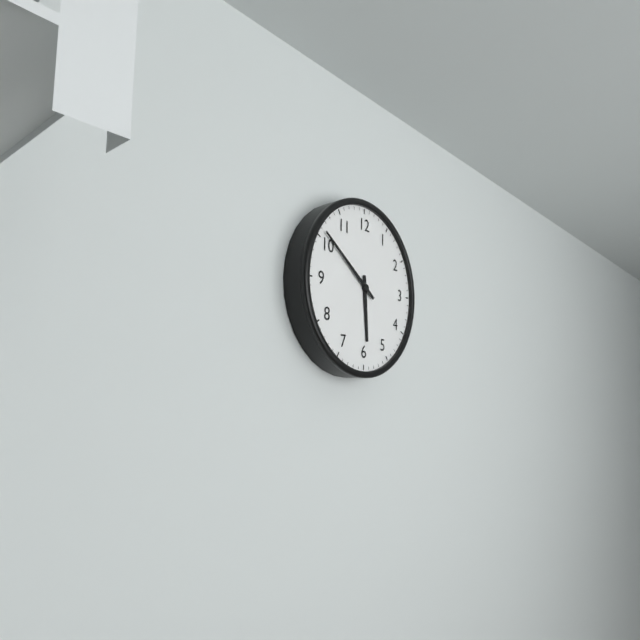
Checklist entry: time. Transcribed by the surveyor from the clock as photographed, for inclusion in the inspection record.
5:51
